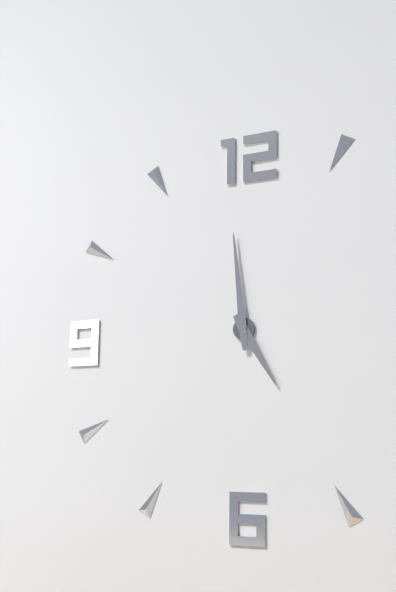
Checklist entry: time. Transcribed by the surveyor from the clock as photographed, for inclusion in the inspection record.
4:59
